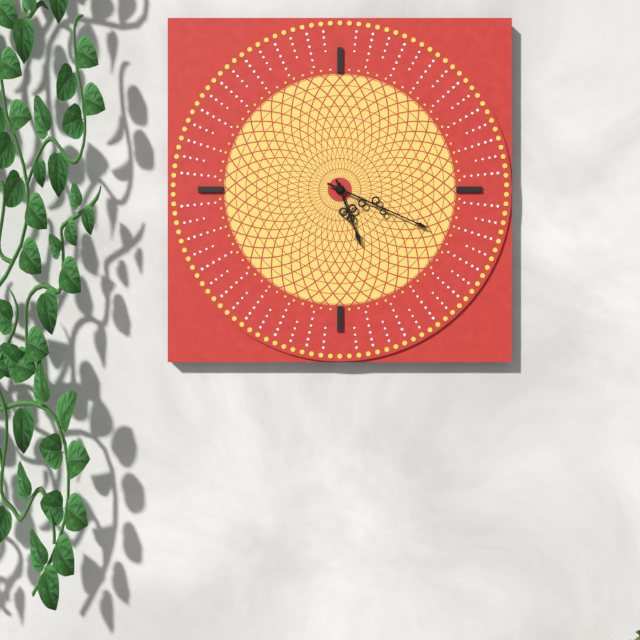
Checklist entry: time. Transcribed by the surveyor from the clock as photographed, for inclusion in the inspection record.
5:19
